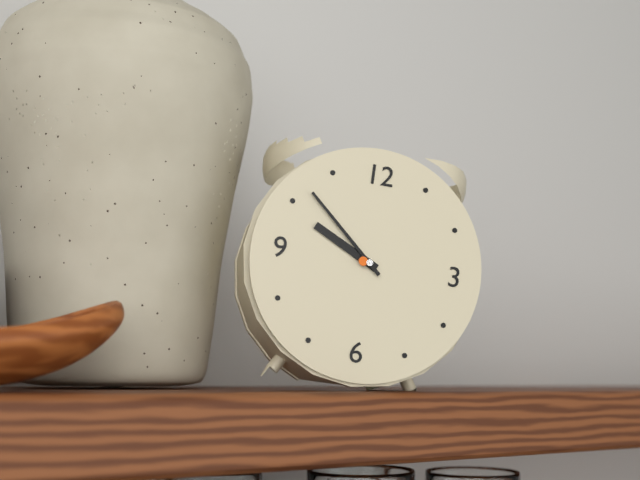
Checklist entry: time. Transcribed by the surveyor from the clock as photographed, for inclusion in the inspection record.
9:52
